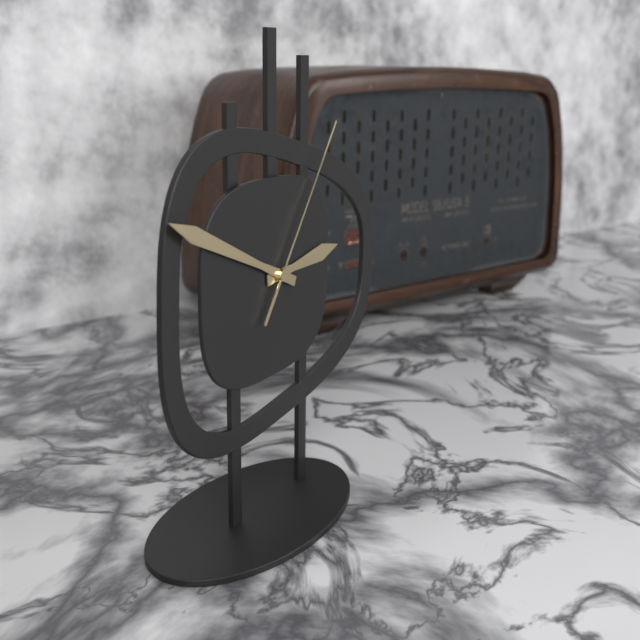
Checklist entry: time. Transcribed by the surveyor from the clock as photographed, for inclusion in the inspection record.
2:49:06
